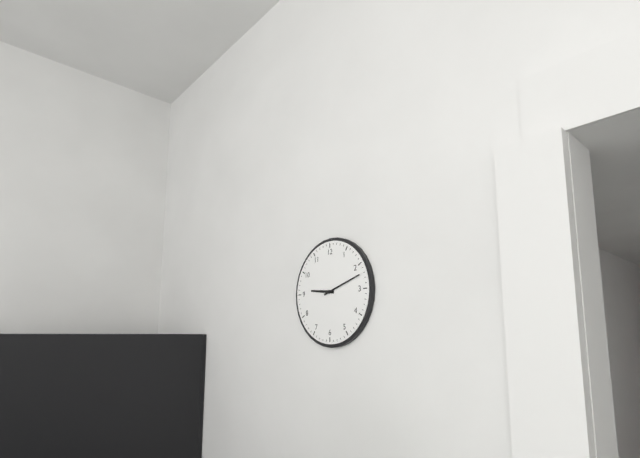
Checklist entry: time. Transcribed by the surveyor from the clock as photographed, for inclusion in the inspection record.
9:12
